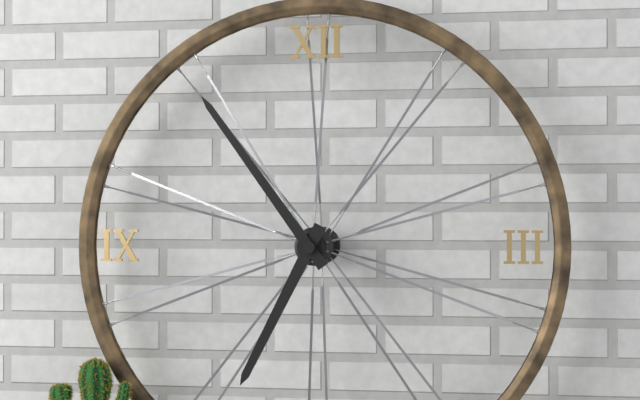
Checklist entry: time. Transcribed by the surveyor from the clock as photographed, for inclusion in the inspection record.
6:54
